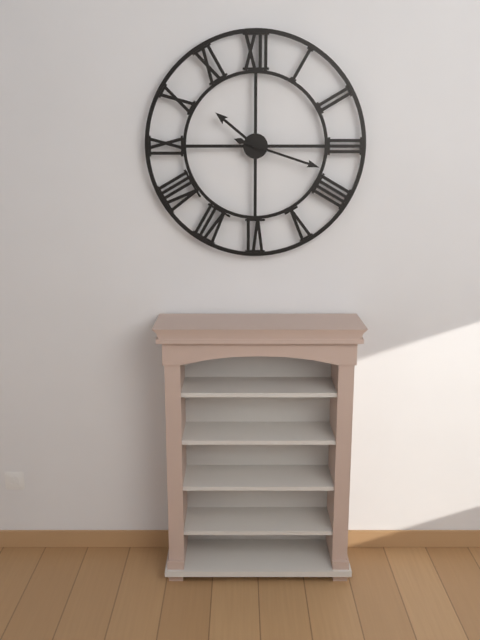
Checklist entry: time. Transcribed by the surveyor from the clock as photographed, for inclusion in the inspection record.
10:18
